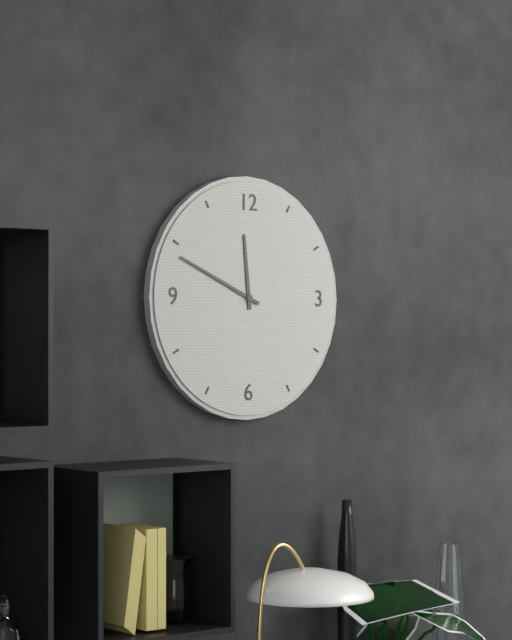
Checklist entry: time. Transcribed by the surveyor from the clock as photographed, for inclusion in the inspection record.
11:49
